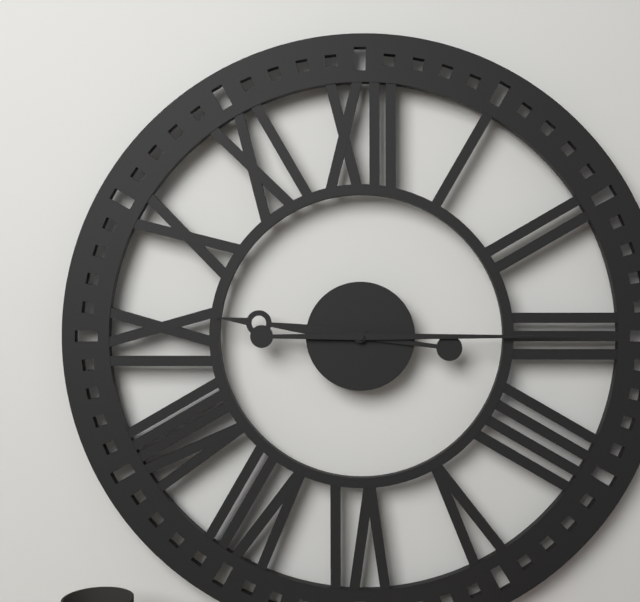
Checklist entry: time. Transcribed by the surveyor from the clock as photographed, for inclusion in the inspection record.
9:15
